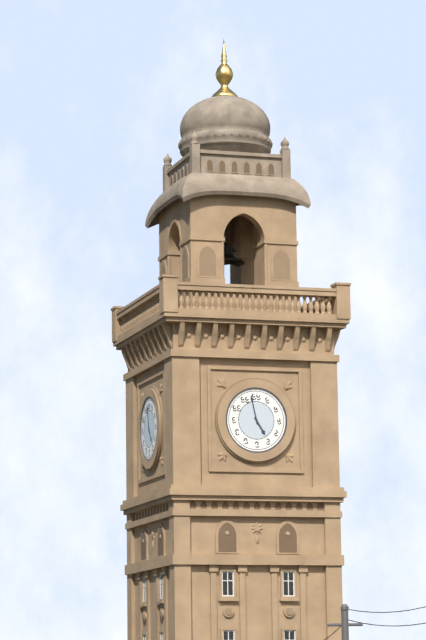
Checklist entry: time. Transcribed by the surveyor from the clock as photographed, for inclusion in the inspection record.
4:58
